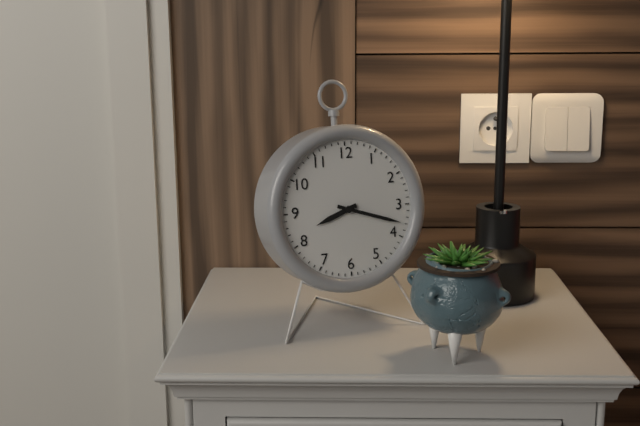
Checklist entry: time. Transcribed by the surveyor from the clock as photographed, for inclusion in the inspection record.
8:18
